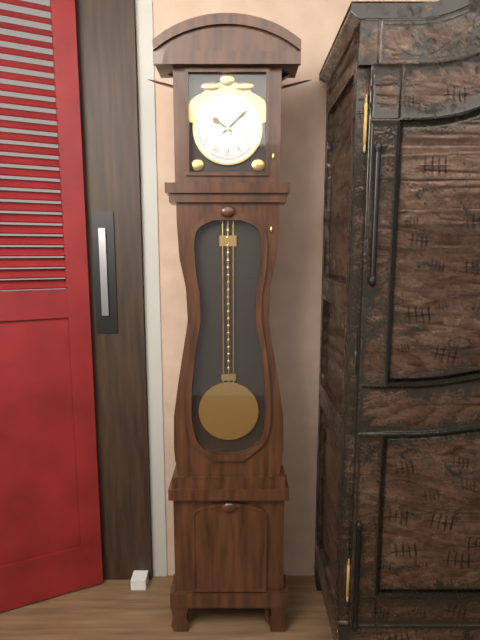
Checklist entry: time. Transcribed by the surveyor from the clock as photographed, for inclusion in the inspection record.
10:08
